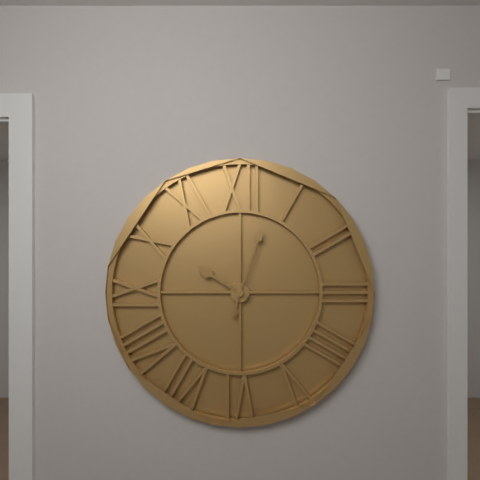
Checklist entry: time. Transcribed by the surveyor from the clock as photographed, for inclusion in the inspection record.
10:03
